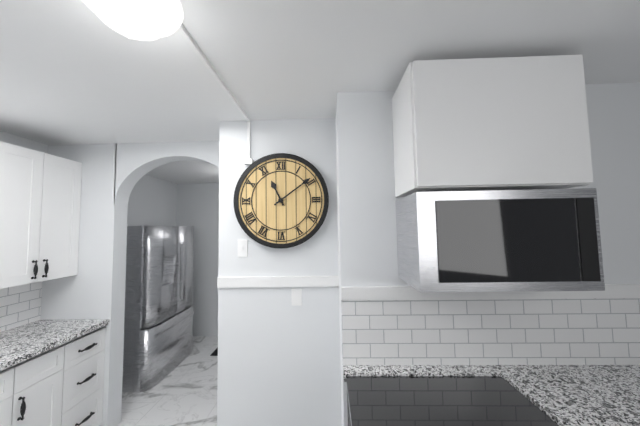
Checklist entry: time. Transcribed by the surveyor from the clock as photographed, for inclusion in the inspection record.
11:09
